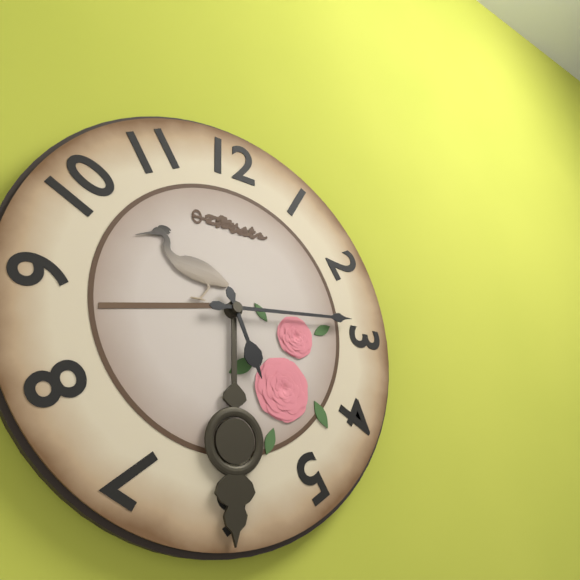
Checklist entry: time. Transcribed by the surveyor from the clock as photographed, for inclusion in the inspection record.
5:14
